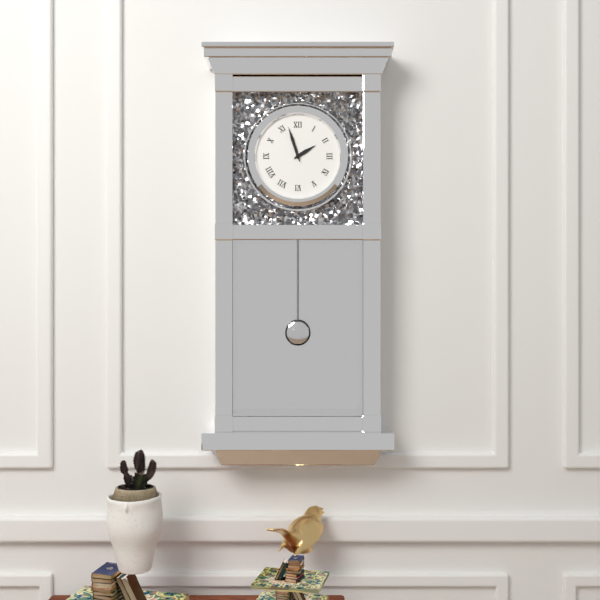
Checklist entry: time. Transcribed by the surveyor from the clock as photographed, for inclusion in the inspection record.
1:57
